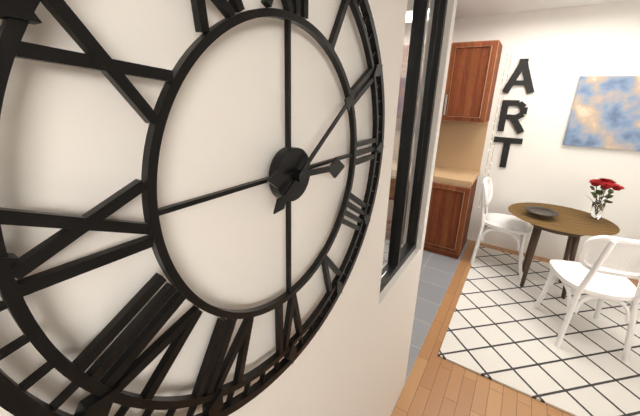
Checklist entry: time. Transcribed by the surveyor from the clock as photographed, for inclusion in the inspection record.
3:09
